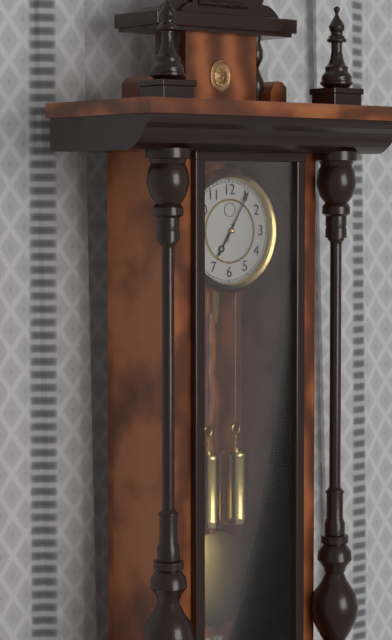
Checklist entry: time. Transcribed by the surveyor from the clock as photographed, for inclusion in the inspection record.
7:05
